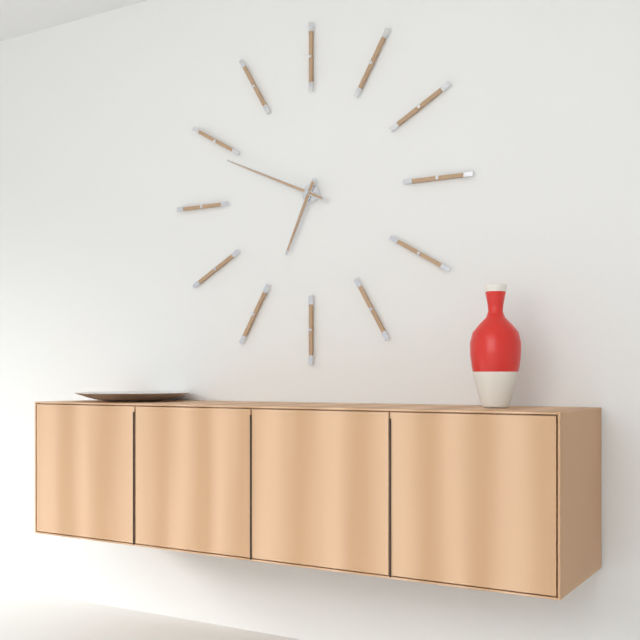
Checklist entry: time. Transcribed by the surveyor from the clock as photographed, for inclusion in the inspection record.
6:49
